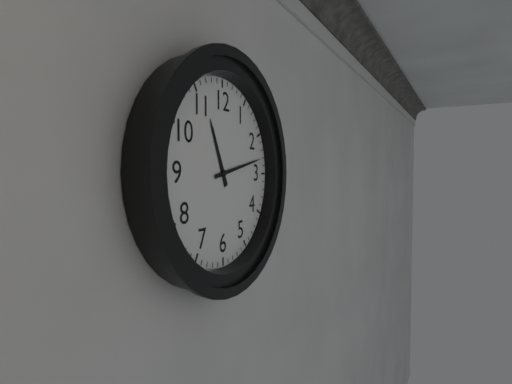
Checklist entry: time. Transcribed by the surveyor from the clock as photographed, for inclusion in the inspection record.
11:13
